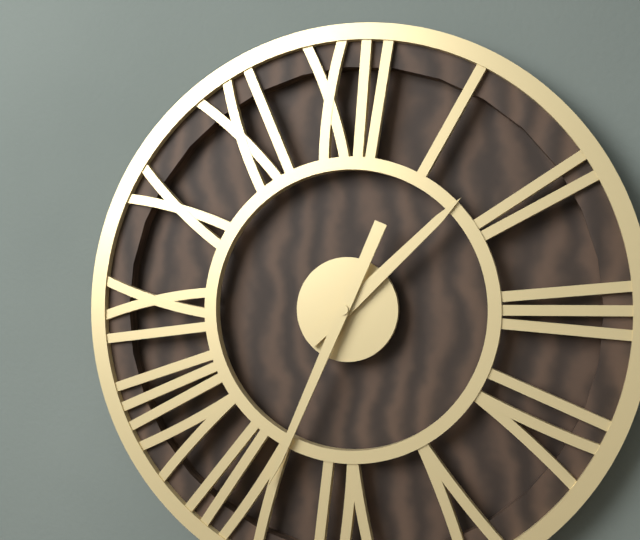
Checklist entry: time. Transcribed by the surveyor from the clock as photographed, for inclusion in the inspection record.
1:34
